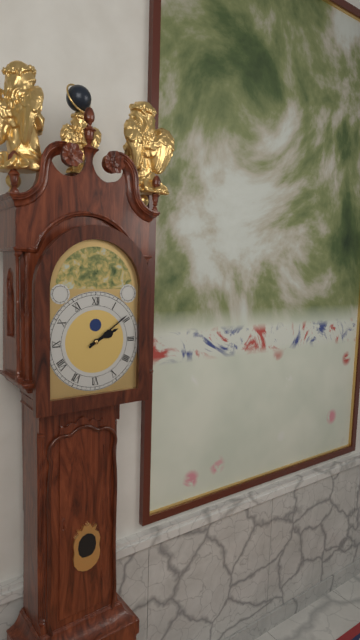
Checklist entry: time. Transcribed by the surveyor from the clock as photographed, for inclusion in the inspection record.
2:09
